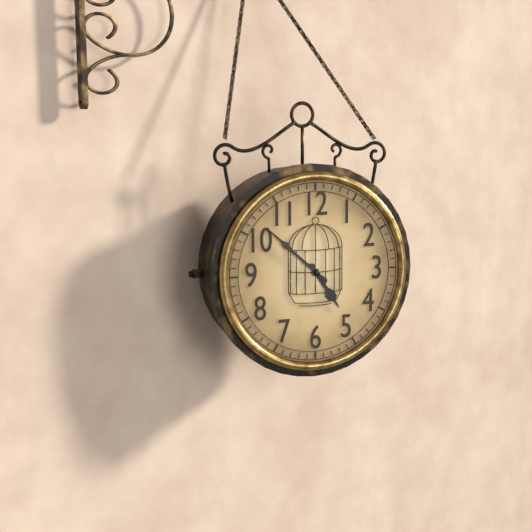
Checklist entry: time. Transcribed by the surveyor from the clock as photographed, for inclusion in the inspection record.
4:52
